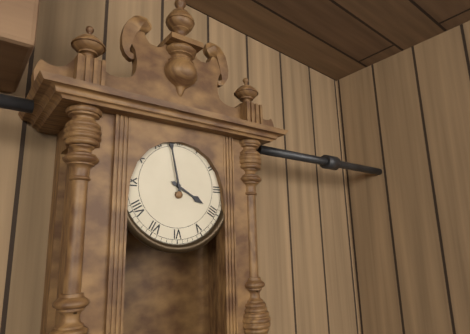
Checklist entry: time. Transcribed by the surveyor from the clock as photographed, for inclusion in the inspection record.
3:58
